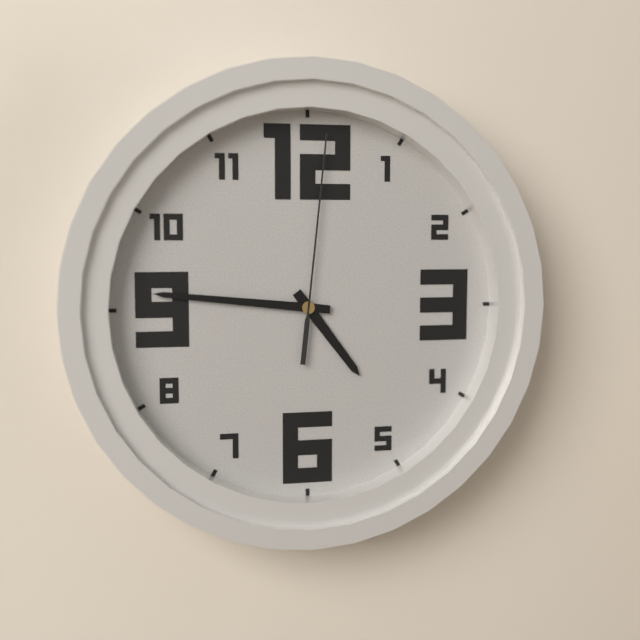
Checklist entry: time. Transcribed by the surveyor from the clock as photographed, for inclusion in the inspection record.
4:46:01
